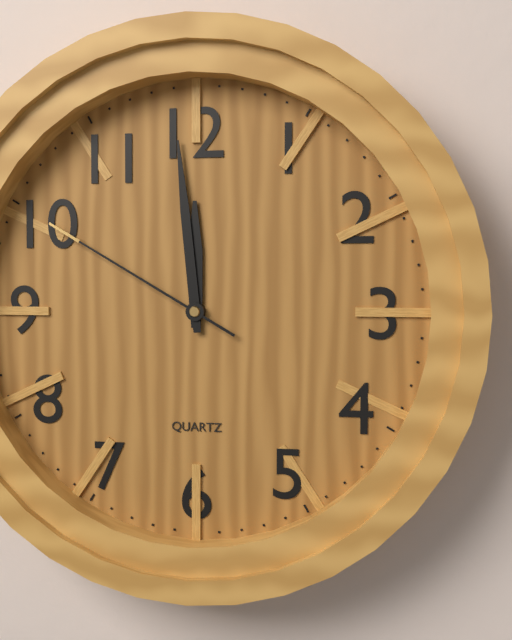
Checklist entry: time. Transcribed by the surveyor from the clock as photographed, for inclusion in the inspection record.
11:59:50
